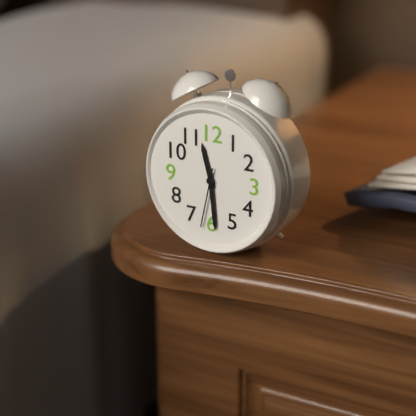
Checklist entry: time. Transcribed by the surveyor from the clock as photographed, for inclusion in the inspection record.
11:29:32
